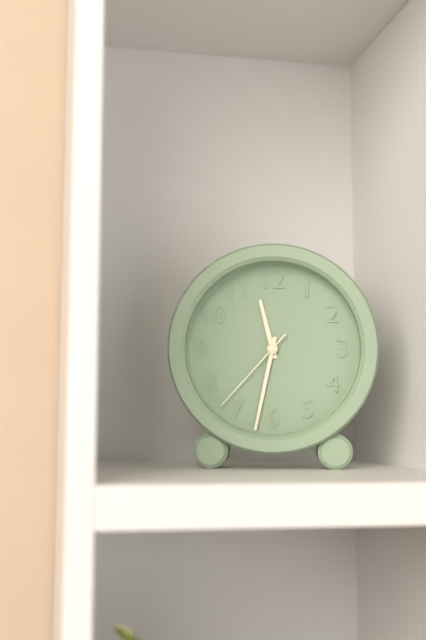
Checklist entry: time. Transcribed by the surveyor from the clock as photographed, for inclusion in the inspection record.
11:32:37
